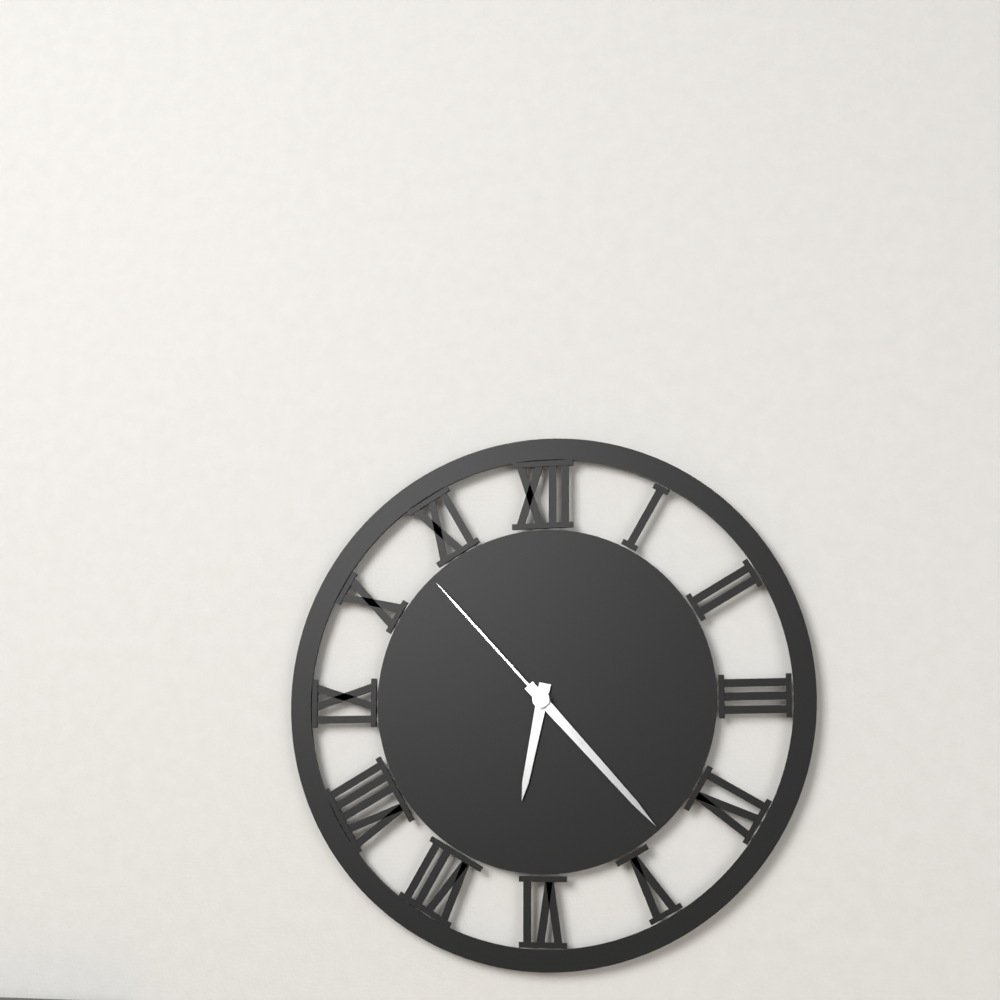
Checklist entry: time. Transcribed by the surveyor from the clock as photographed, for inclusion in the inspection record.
6:23:53
